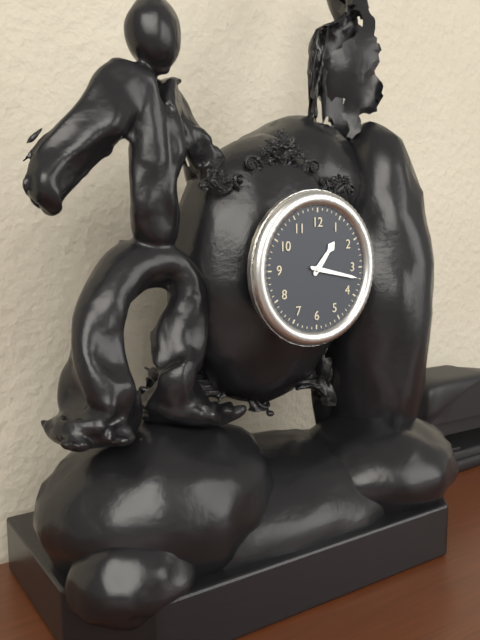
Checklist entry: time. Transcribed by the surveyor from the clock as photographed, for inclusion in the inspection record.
1:17
